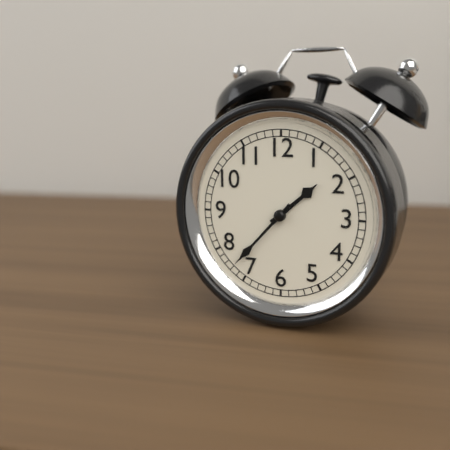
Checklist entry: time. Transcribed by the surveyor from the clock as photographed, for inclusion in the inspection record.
1:37
